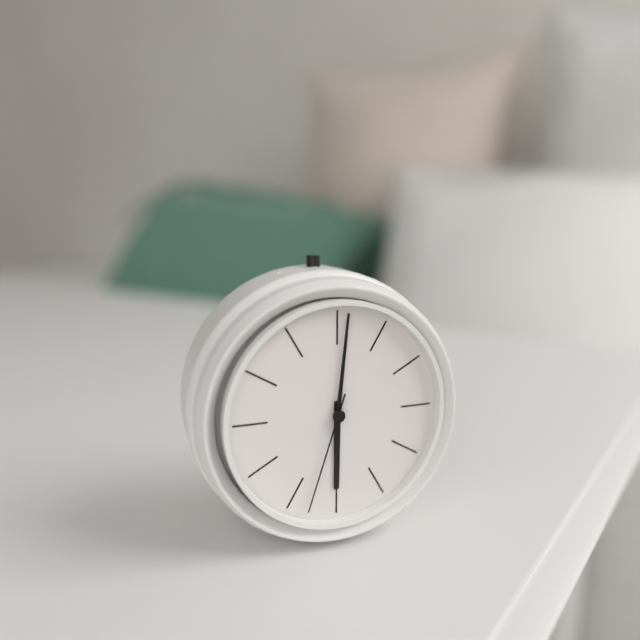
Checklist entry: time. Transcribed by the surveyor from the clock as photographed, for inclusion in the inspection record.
6:01:33
